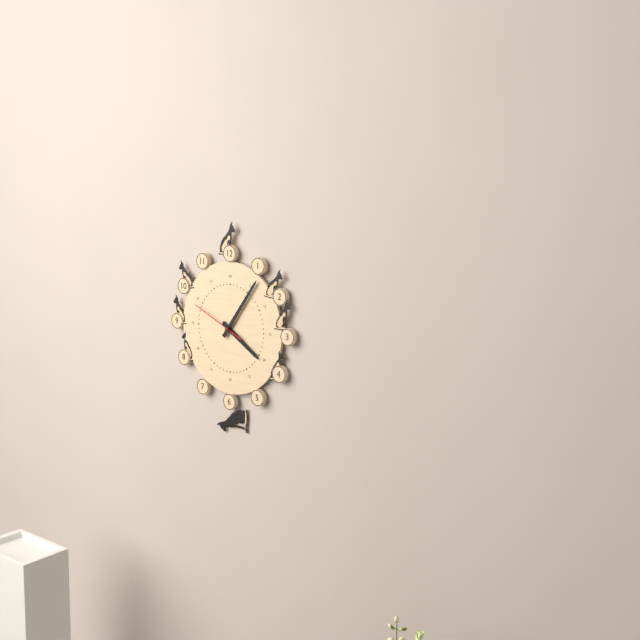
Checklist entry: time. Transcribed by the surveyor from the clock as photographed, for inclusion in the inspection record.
4:06:49
